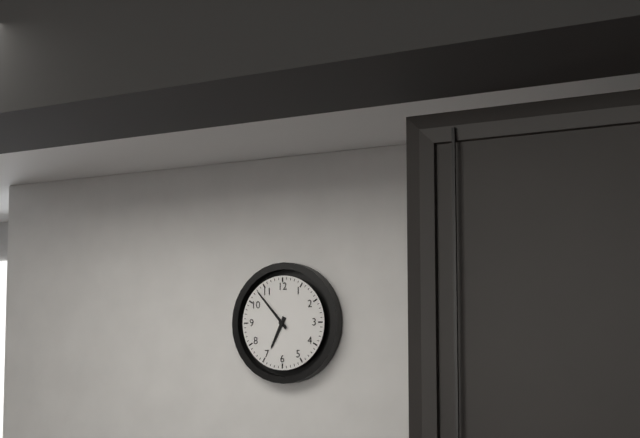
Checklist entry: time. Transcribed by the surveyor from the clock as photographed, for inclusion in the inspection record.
6:53
